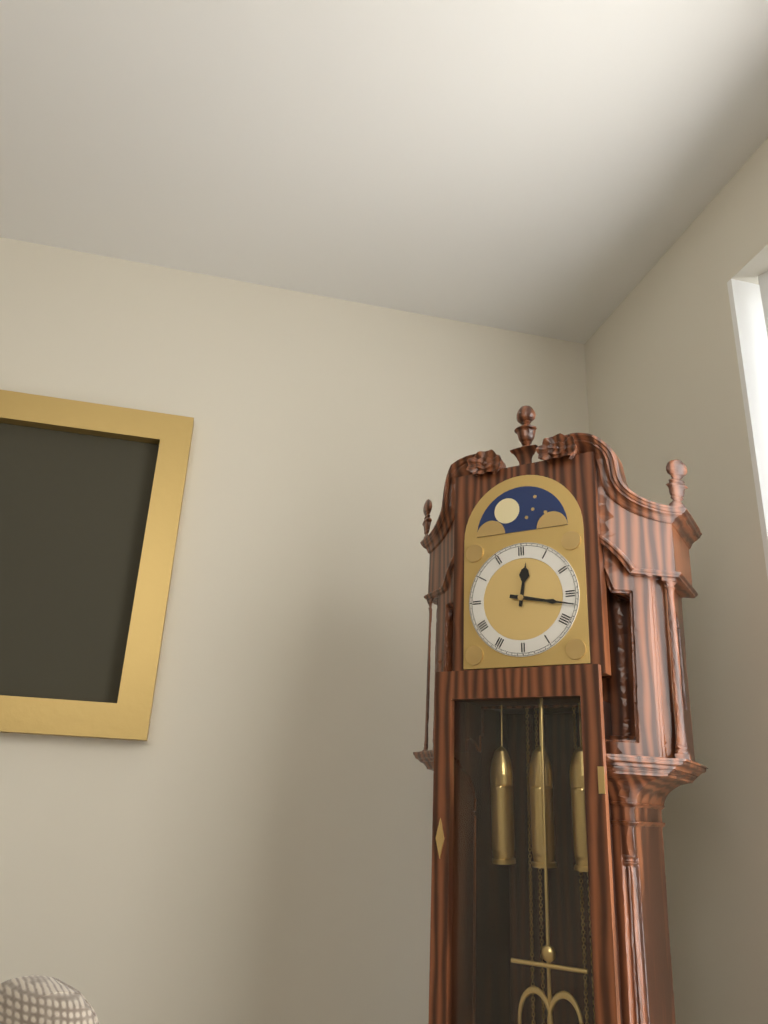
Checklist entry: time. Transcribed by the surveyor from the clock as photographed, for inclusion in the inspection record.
12:17
